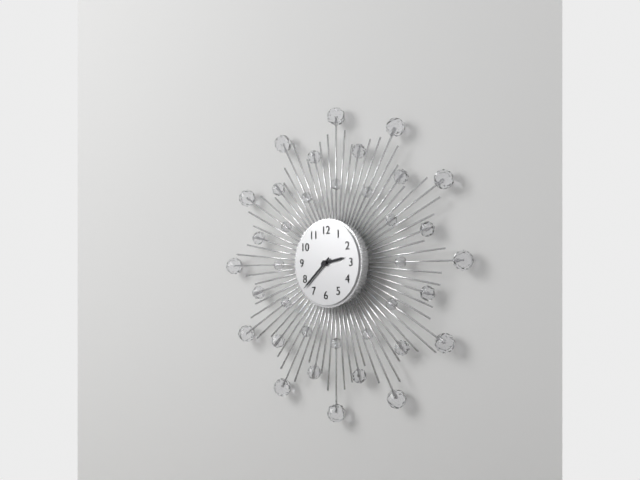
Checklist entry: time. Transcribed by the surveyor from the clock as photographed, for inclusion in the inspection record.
2:38
